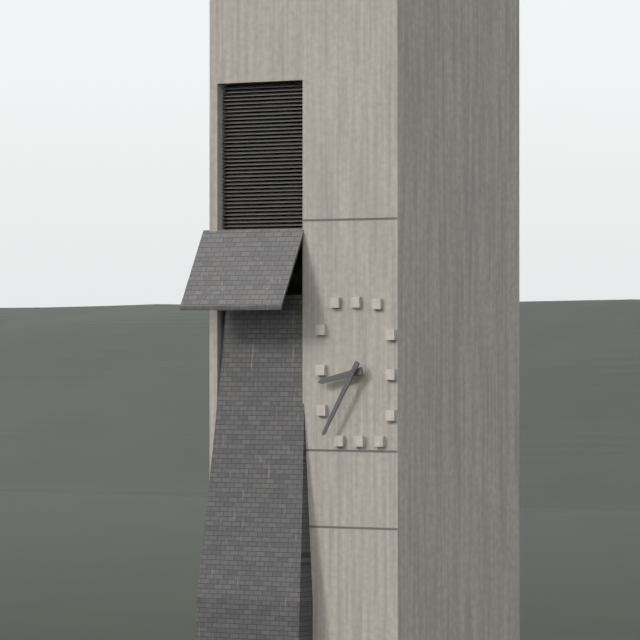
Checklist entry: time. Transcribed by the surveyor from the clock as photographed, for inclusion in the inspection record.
8:35
